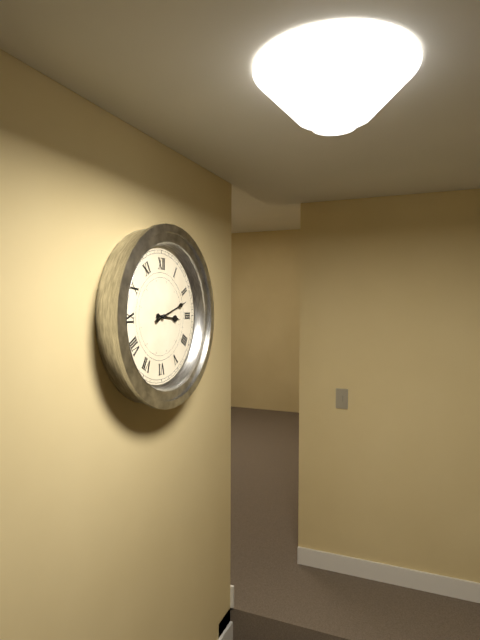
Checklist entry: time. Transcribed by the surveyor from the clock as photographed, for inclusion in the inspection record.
3:12
